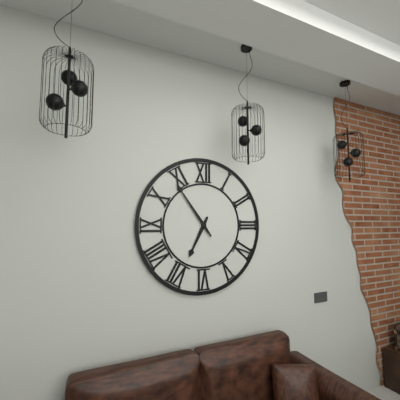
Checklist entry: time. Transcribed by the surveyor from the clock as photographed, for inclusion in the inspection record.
6:54
